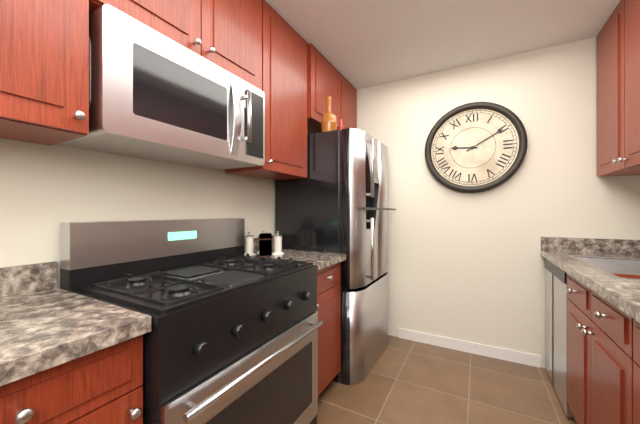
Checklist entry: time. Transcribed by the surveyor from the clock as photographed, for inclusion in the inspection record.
9:10
